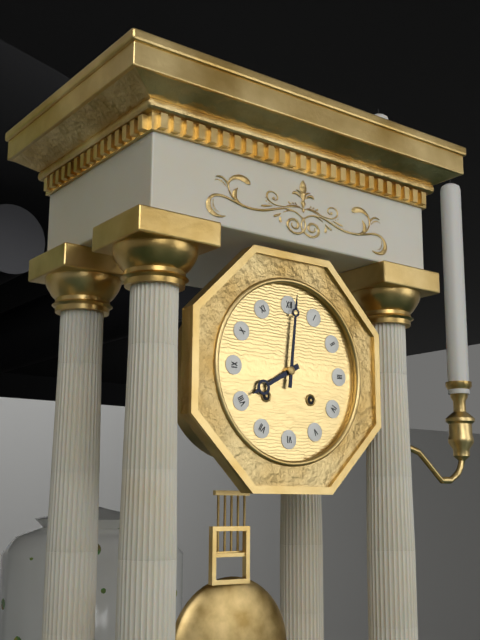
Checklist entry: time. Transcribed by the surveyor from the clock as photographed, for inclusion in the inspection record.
8:01
